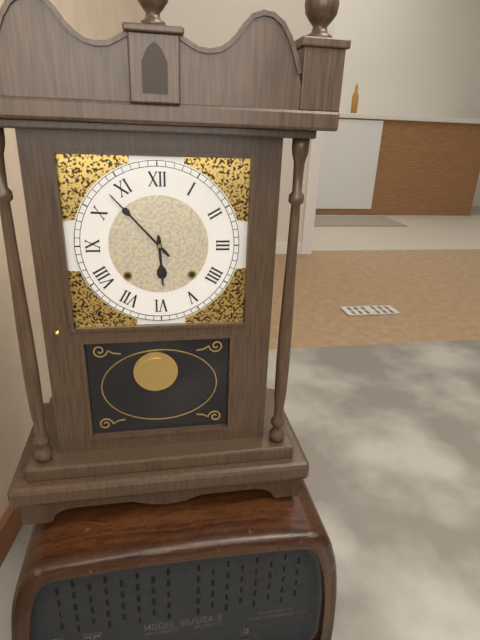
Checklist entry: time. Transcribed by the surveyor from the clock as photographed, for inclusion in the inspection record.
5:53
